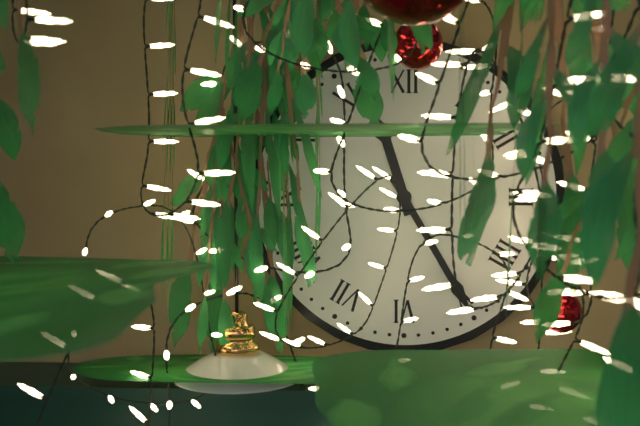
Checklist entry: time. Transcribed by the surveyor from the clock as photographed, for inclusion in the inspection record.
11:25
